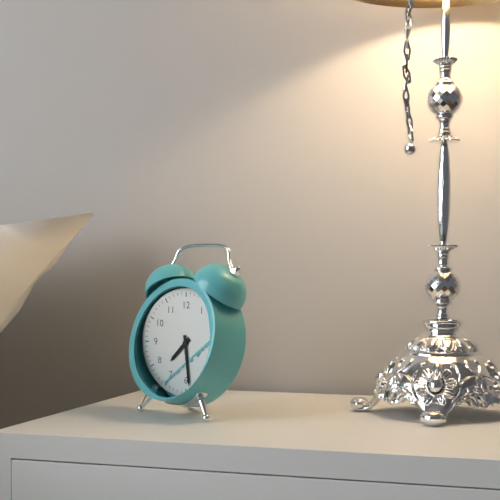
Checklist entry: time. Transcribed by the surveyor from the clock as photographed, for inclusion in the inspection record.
7:29
